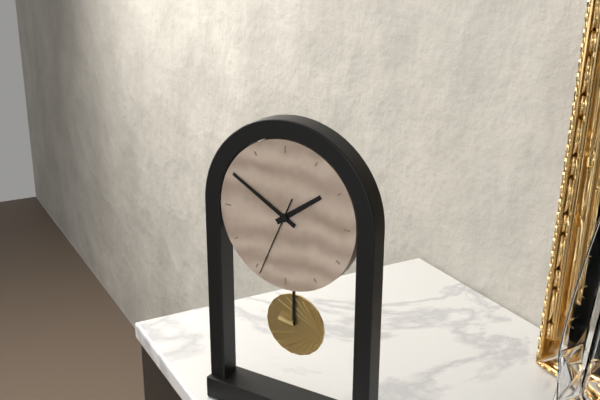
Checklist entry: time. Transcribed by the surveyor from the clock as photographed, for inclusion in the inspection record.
1:50:34
